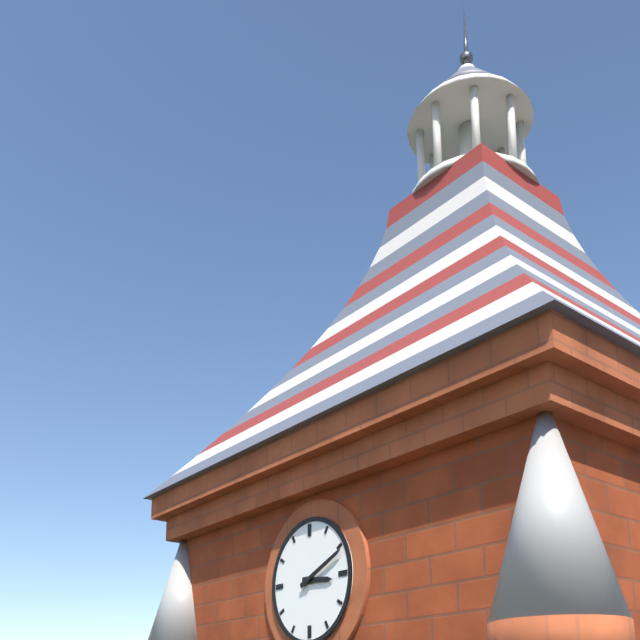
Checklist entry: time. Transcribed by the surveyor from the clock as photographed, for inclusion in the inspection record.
3:11
